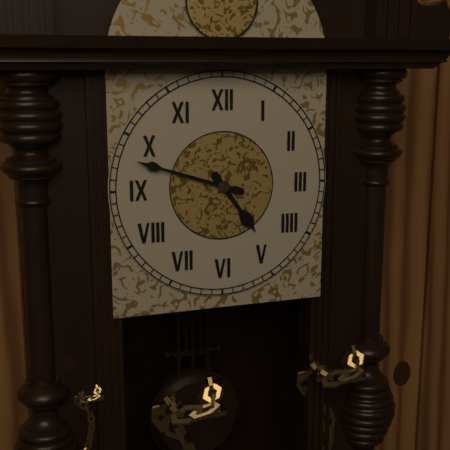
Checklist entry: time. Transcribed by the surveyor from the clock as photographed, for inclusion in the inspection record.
4:48
